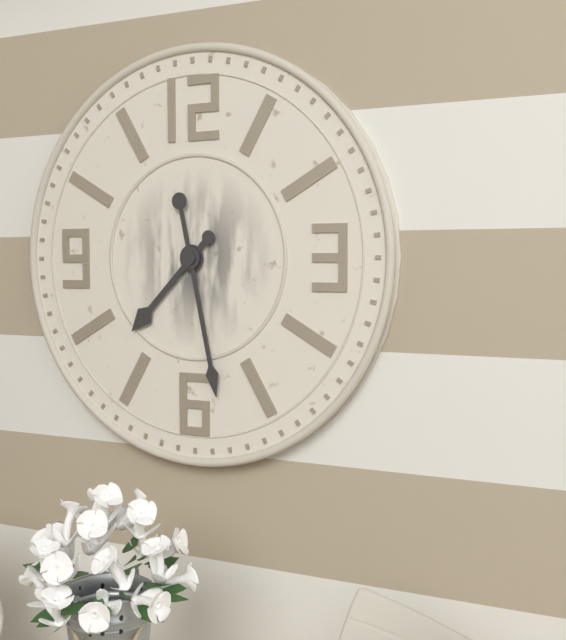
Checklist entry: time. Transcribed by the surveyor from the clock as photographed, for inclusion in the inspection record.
7:28
